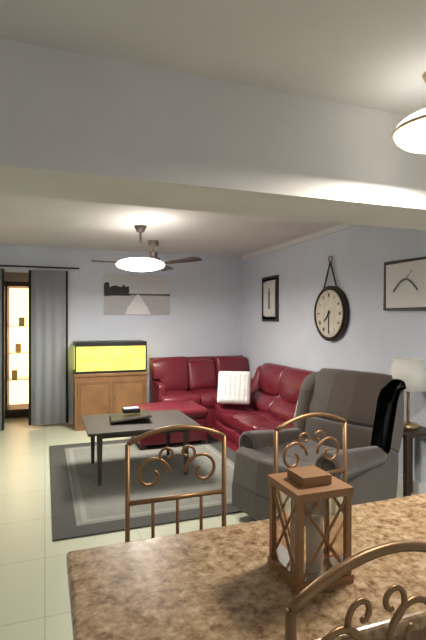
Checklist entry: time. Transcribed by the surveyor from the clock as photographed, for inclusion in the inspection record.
7:30
